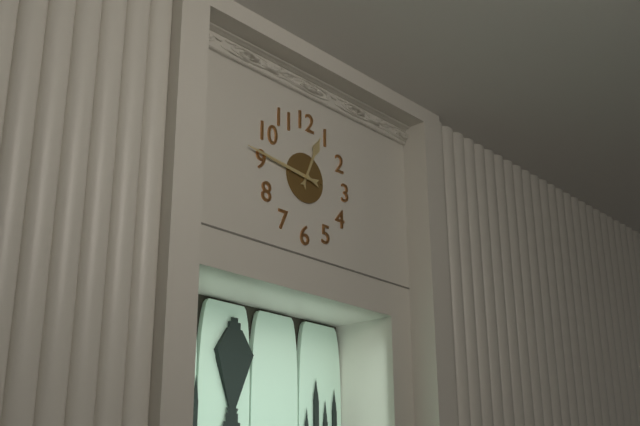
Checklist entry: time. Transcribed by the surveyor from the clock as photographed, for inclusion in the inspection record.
12:46
